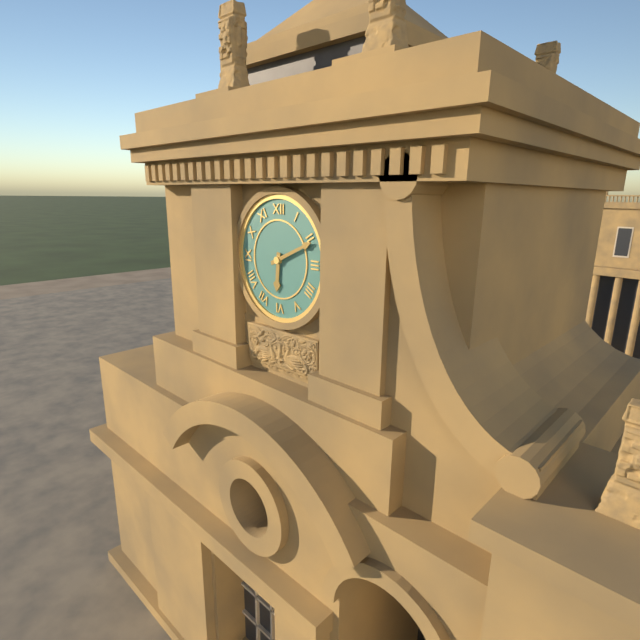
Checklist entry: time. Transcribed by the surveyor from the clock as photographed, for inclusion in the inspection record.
6:11
